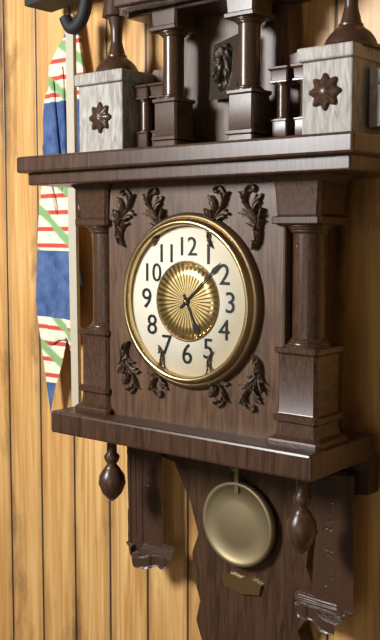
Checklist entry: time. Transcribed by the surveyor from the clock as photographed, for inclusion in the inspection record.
5:08
